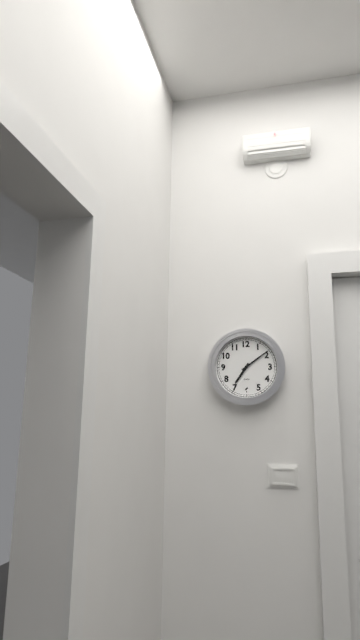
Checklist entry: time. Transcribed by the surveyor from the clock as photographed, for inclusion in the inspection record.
7:09
